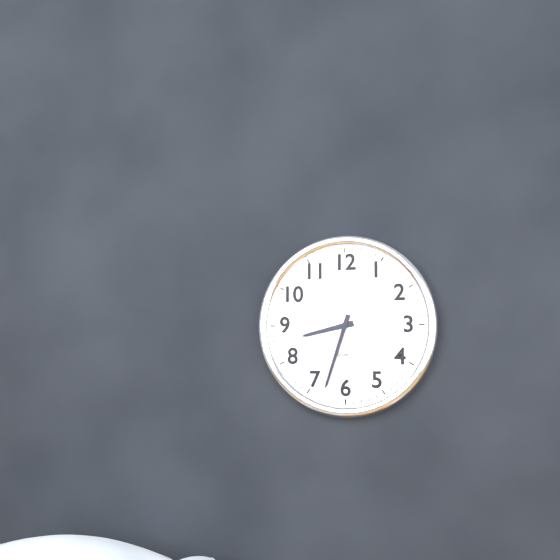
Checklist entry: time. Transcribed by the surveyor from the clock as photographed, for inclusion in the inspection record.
8:33
